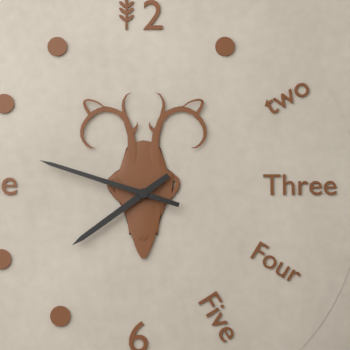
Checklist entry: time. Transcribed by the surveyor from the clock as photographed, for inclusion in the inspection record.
7:48
